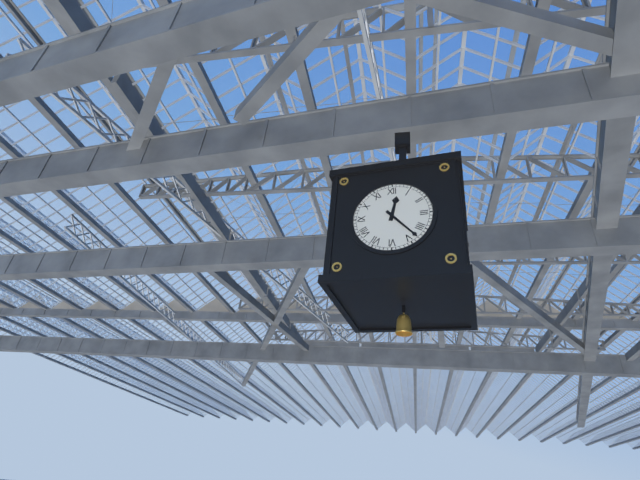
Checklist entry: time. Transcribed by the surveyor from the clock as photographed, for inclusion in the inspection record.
12:23
